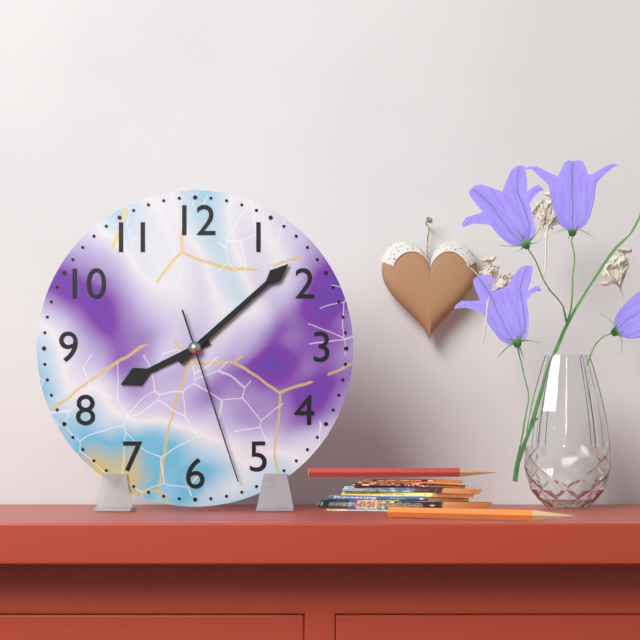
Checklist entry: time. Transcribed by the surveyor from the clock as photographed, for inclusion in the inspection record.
8:08:27
